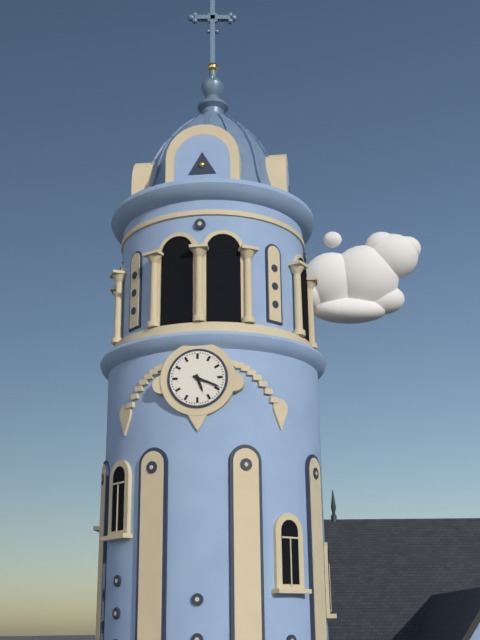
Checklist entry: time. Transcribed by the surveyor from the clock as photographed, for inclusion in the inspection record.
5:19
